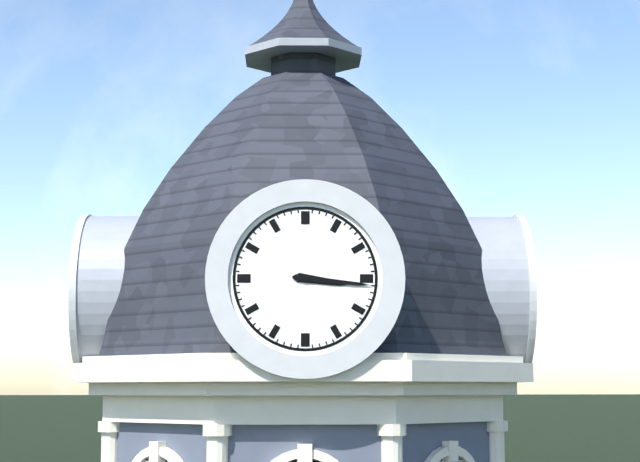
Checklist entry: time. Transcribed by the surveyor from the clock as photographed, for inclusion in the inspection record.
3:16
